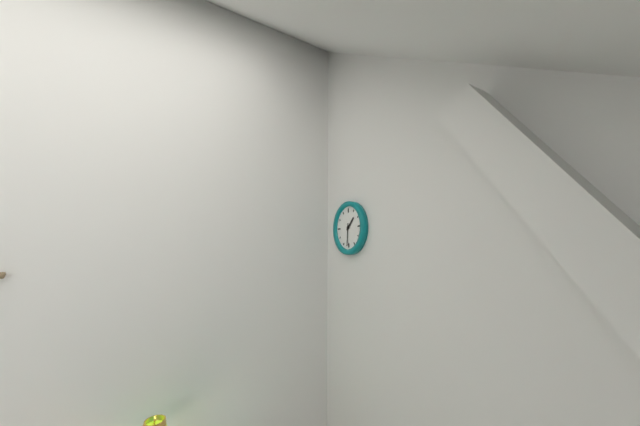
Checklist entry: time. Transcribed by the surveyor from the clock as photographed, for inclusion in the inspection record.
1:31
